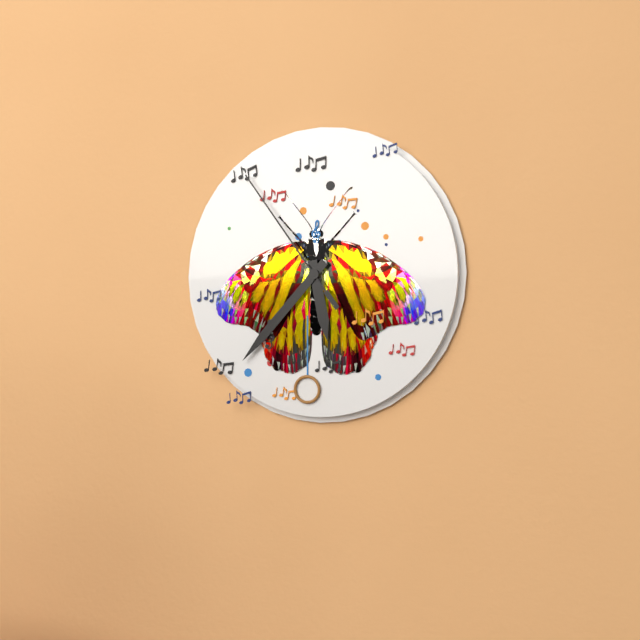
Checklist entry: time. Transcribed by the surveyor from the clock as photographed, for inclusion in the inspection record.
5:37:54
